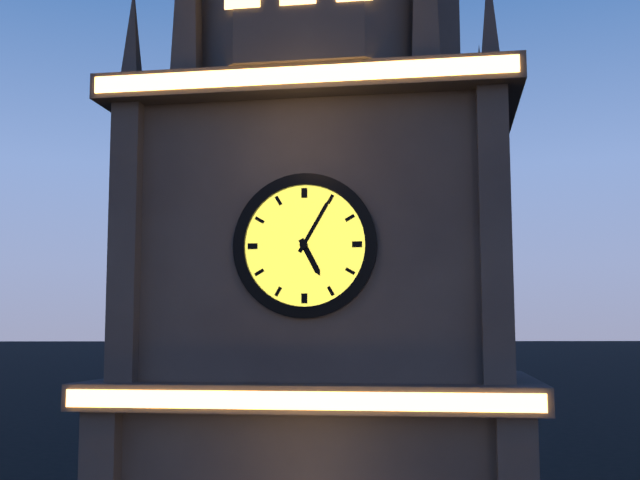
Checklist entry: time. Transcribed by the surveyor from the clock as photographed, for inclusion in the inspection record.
5:05
